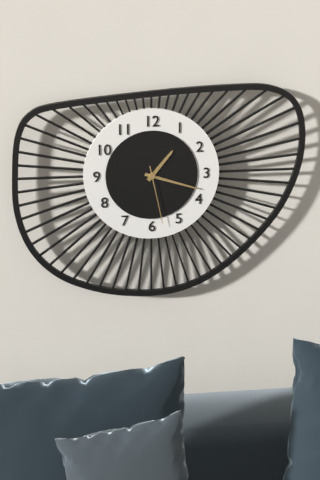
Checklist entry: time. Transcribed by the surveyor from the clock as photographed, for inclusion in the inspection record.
1:18:28
